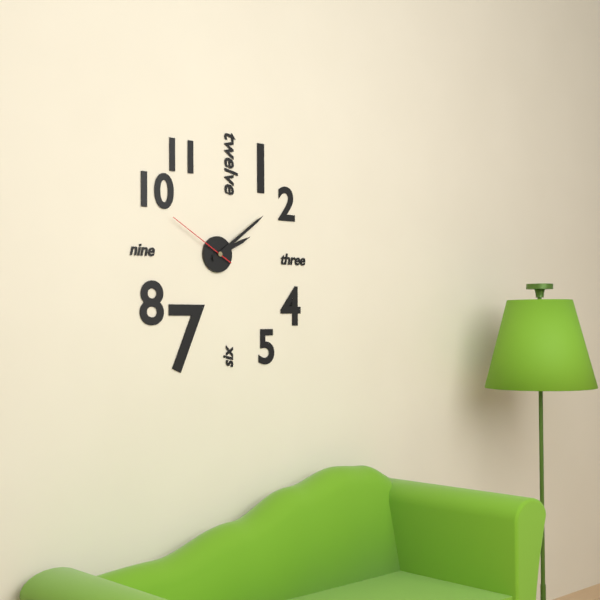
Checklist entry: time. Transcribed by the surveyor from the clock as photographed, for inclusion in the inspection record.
2:09:50
